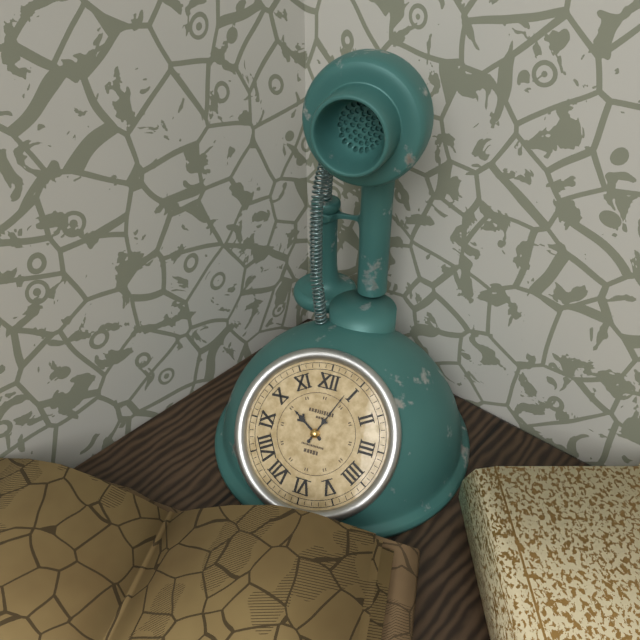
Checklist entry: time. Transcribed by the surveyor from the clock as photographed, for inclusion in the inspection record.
10:04
